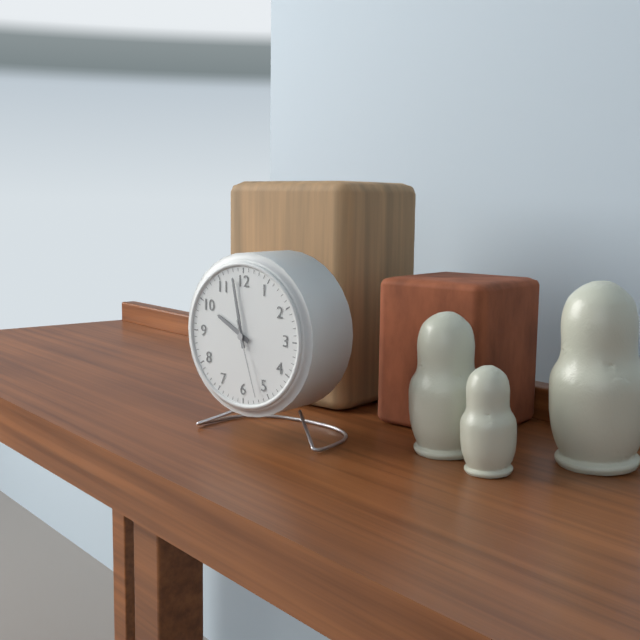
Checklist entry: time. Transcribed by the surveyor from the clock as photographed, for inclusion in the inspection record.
9:58:27
